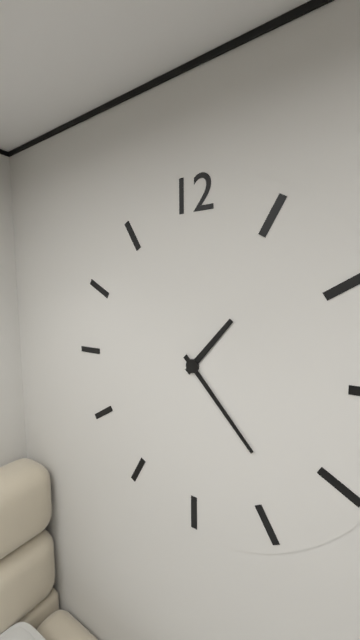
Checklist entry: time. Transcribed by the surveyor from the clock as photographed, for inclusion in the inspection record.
1:23
